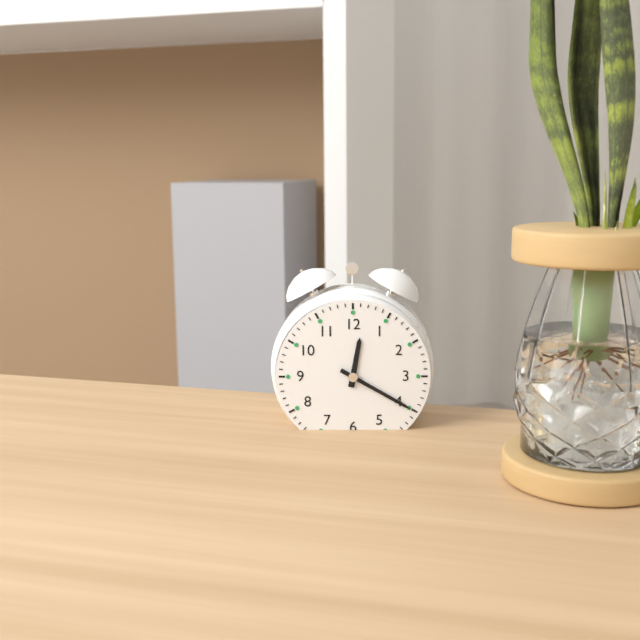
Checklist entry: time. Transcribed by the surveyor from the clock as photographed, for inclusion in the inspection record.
12:20
